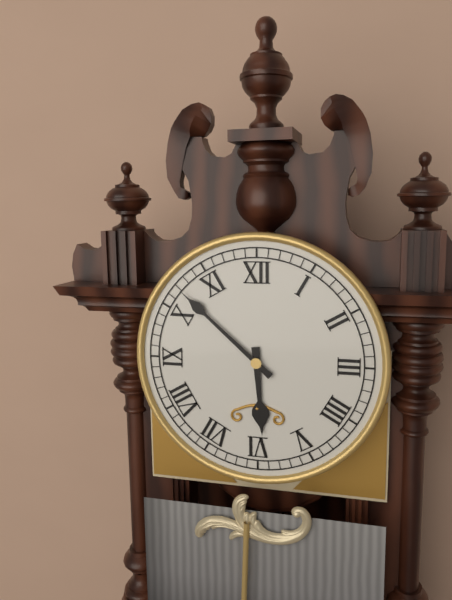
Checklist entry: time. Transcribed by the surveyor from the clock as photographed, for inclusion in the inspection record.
5:52
